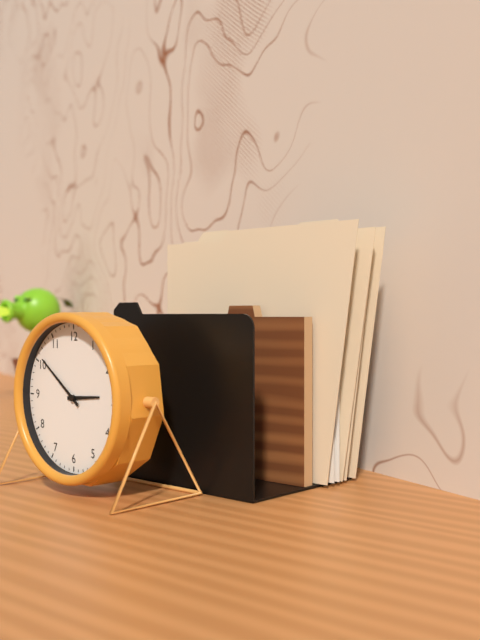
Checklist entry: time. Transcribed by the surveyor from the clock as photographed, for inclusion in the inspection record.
2:51
